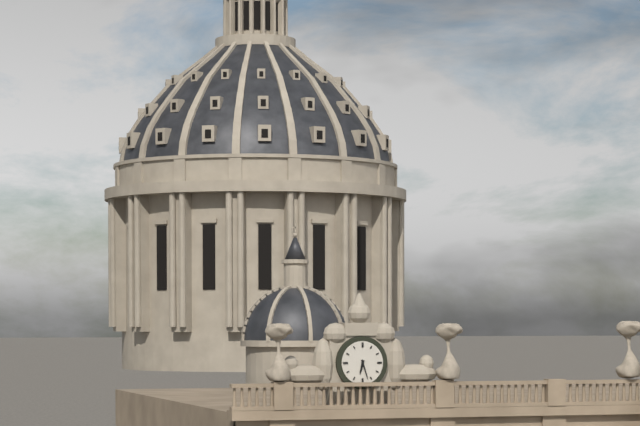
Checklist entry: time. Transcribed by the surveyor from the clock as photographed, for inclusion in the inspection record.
6:27
